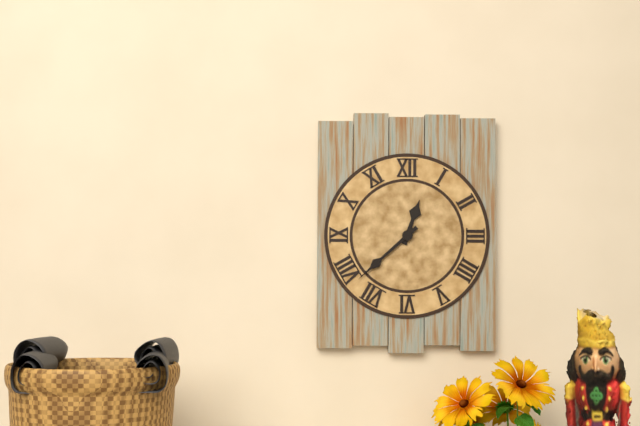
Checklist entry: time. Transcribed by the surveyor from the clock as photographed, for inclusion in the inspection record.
12:38
